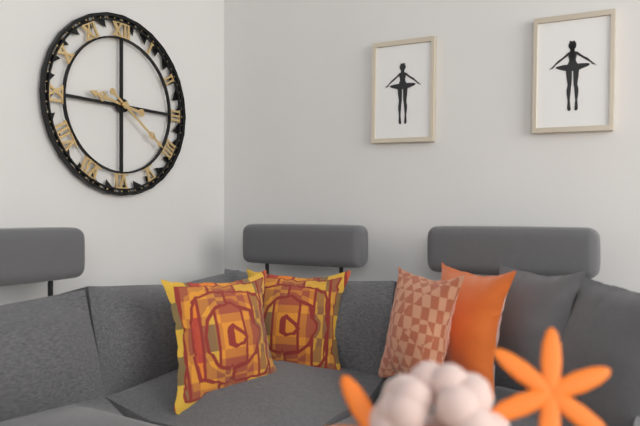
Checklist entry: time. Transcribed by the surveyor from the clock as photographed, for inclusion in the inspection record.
9:21
